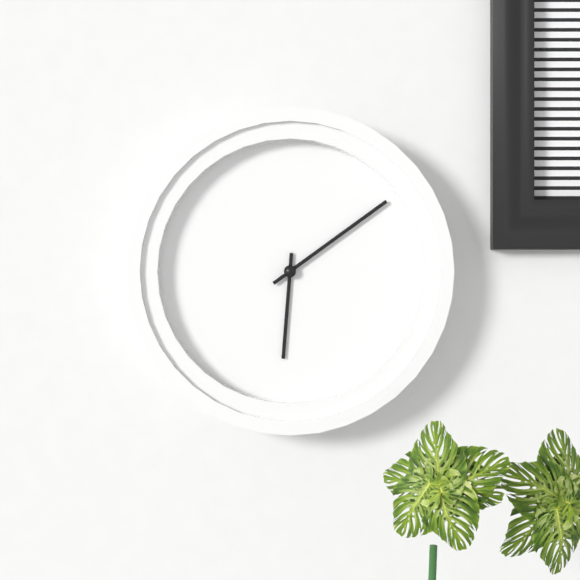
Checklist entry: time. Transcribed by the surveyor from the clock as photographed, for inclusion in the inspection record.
6:09
